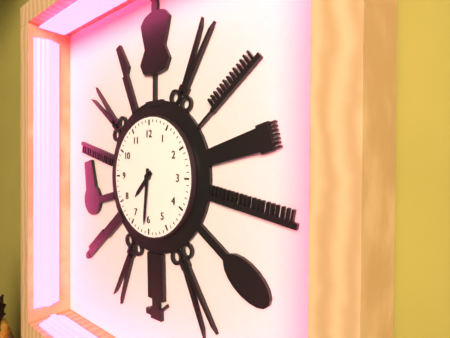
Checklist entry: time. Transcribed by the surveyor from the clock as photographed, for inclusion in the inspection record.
7:31
